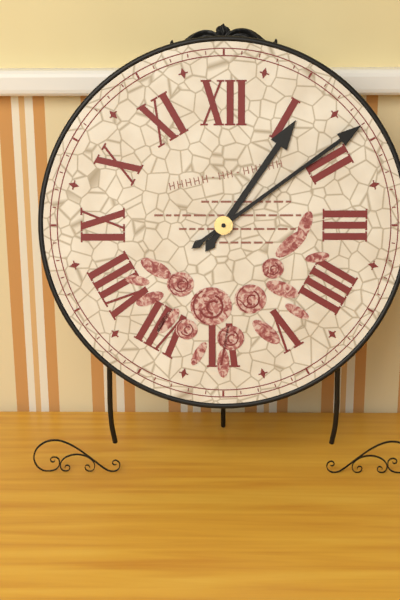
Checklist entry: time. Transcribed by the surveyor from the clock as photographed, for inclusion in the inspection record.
1:09
